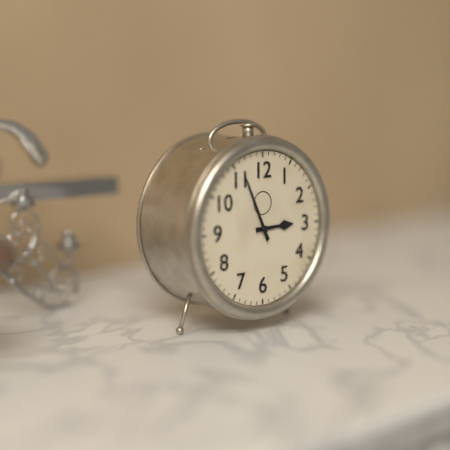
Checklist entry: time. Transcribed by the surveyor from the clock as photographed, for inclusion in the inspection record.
2:56
